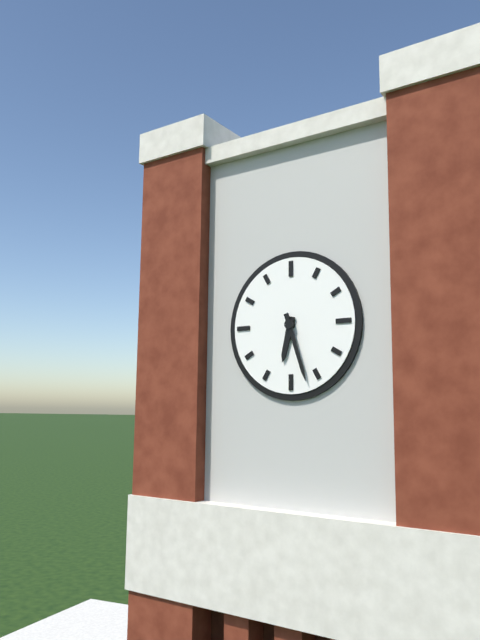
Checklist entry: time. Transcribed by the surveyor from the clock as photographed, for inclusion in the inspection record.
6:27
